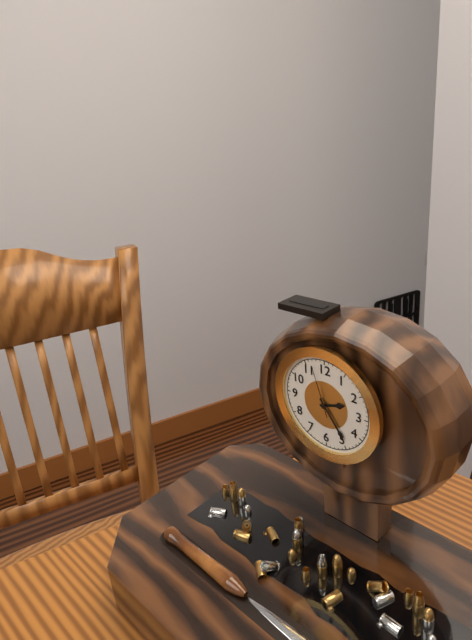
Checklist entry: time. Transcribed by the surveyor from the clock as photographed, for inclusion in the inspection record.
2:24:57
